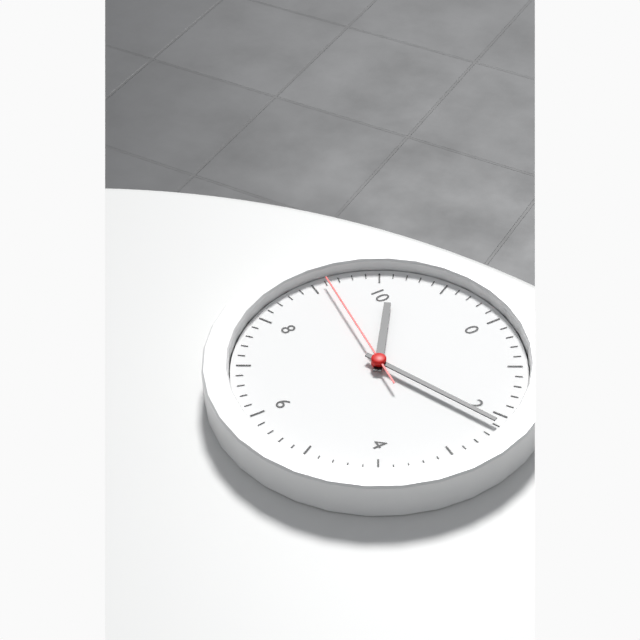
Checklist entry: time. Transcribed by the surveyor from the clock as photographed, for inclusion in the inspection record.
10:11:46
